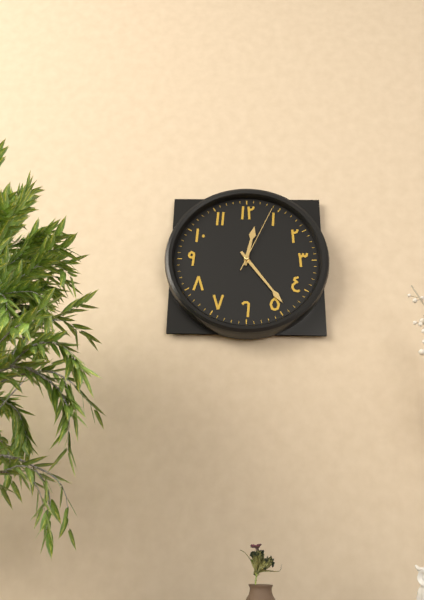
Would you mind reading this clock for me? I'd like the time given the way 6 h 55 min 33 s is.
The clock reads 12 h 24 min 04 s
